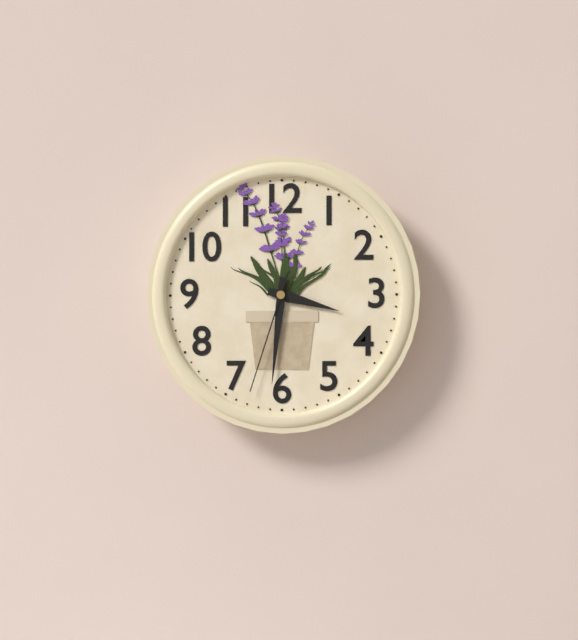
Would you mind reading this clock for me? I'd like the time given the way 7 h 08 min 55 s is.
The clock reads 3 h 31 min 33 s
